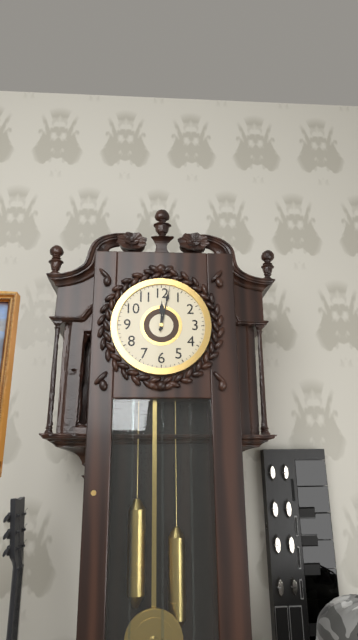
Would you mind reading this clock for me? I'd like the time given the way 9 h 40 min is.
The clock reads 12 h 02 min
